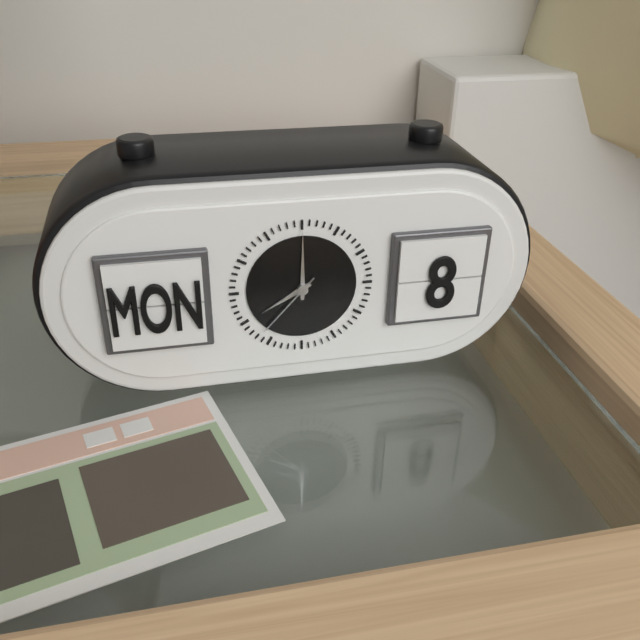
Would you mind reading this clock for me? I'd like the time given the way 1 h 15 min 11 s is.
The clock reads 8 h 00 min 37 s
